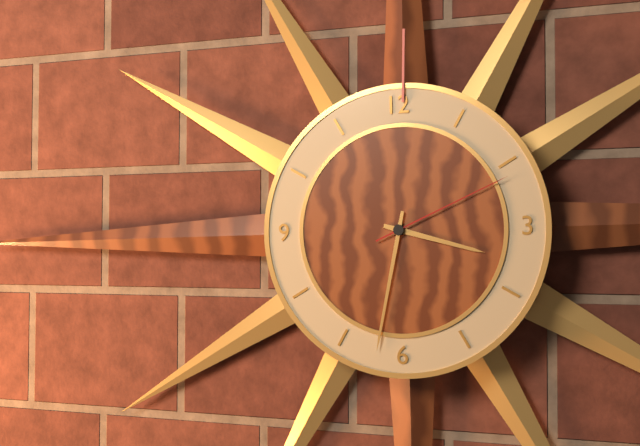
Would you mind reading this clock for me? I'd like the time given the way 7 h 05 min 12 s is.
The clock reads 3 h 32 min 11 s
